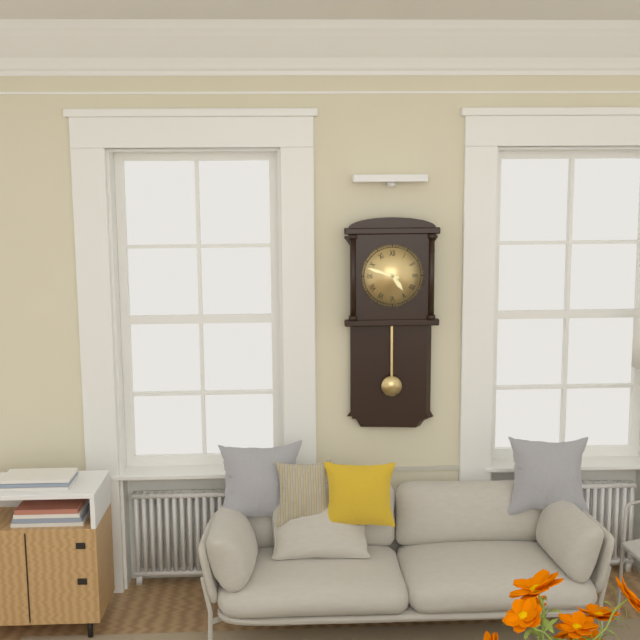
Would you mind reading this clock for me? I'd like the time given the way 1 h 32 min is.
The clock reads 4 h 48 min
